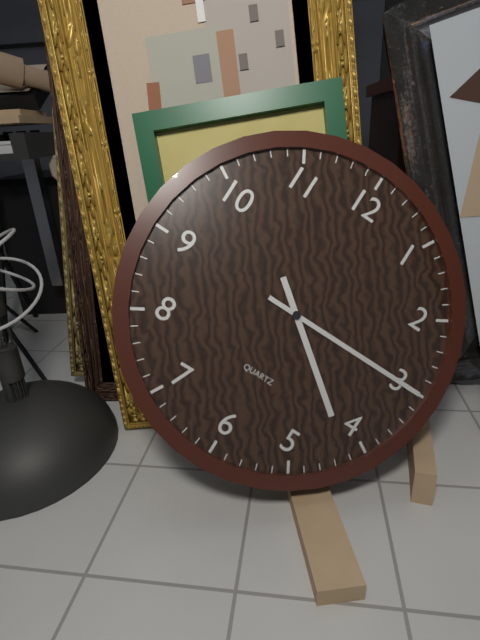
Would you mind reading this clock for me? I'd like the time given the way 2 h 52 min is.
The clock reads 4 h 15 min
